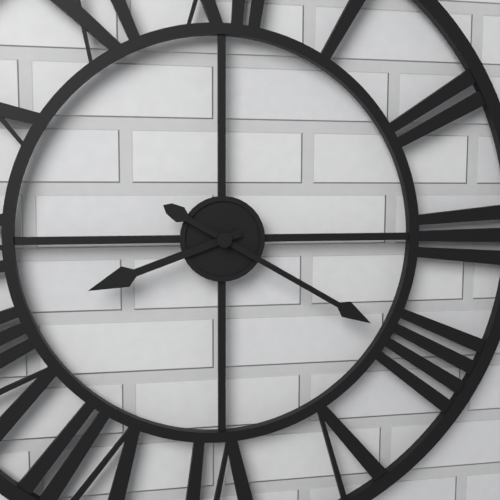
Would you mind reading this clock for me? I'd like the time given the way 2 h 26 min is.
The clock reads 8 h 20 min
